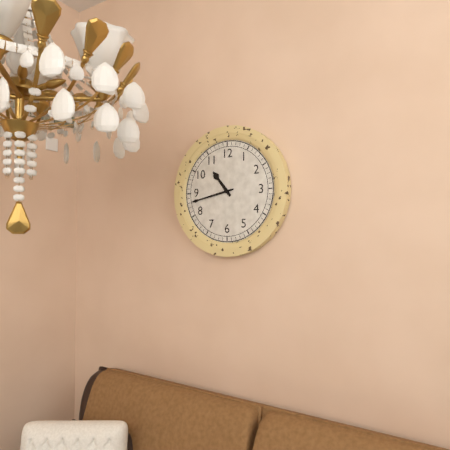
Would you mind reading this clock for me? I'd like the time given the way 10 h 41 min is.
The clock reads 10 h 43 min
